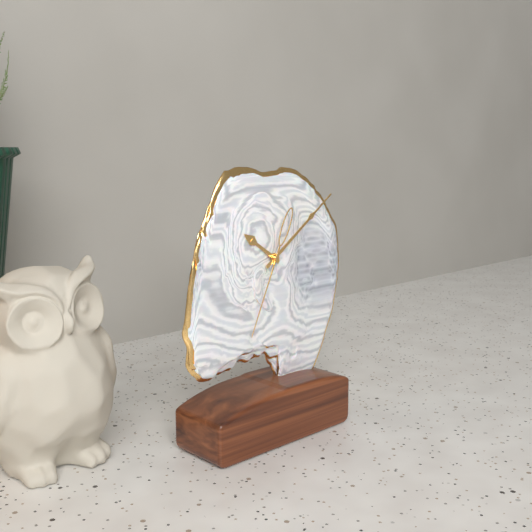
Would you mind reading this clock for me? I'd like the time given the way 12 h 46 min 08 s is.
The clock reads 10 h 09 min 34 s
